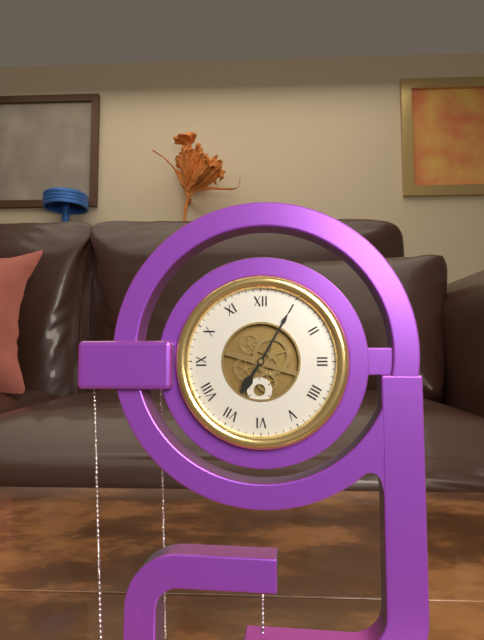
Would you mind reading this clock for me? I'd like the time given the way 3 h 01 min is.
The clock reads 7 h 05 min
